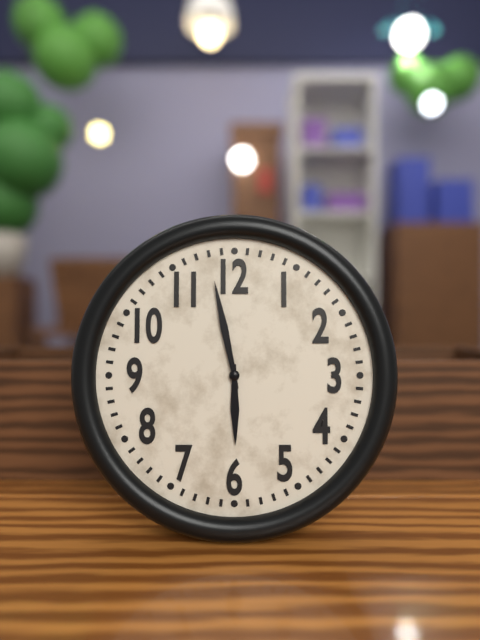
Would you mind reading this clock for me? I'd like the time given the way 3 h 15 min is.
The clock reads 5 h 58 min
